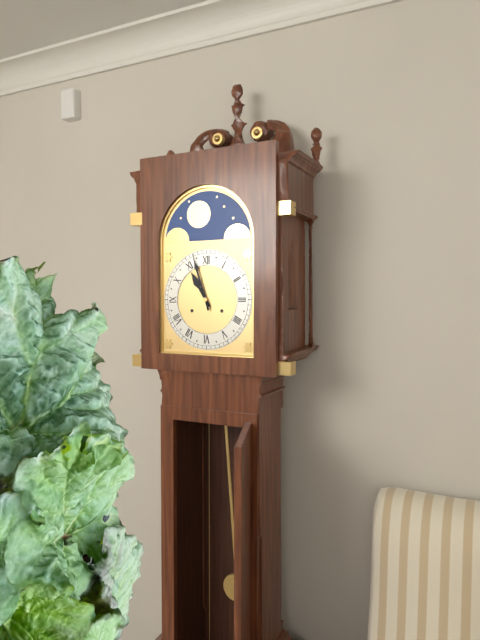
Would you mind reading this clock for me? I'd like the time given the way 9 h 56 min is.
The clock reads 10 h 57 min
